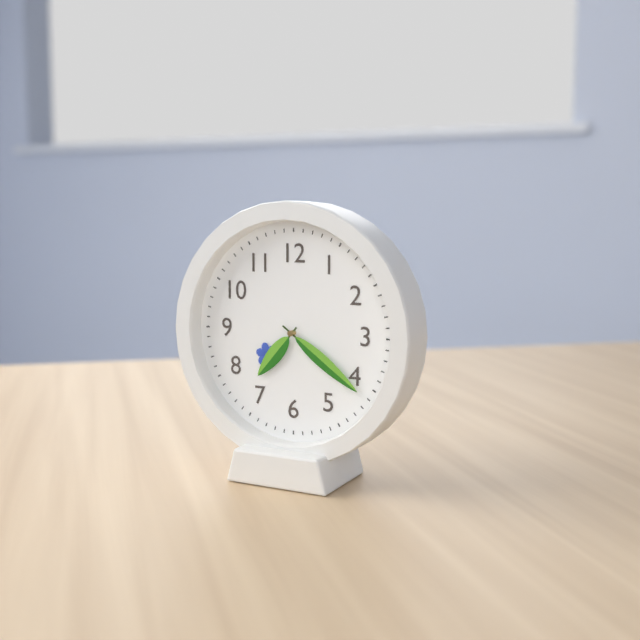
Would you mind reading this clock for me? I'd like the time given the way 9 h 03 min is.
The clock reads 7 h 21 min
